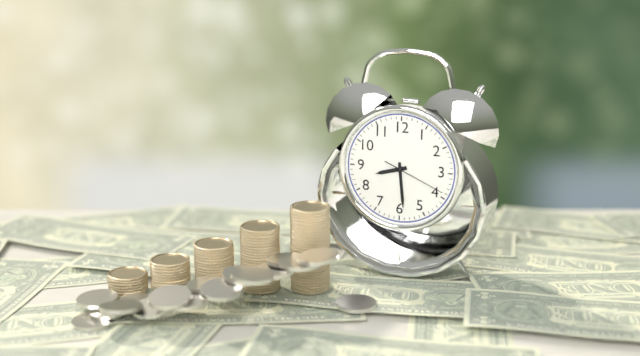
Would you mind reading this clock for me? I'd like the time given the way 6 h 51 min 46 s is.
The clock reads 8 h 29 min 19 s
